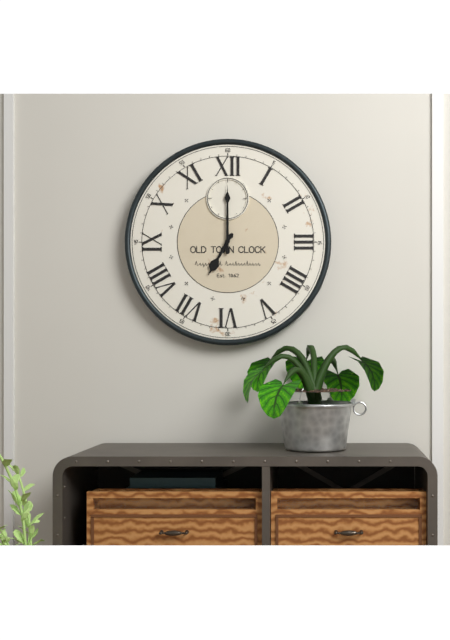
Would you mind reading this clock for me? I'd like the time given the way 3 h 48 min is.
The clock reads 7 h 00 min
